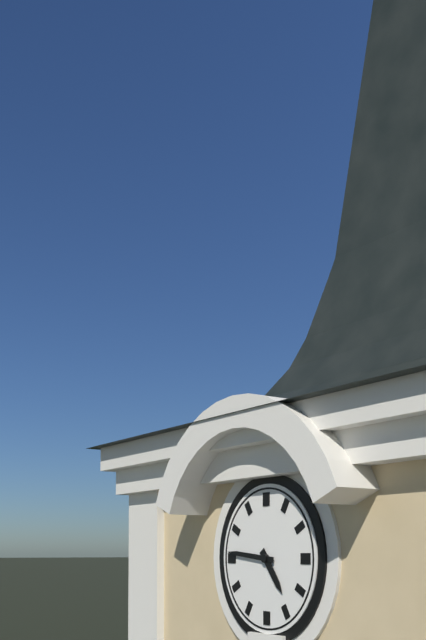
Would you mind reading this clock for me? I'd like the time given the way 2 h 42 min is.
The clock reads 4 h 46 min
